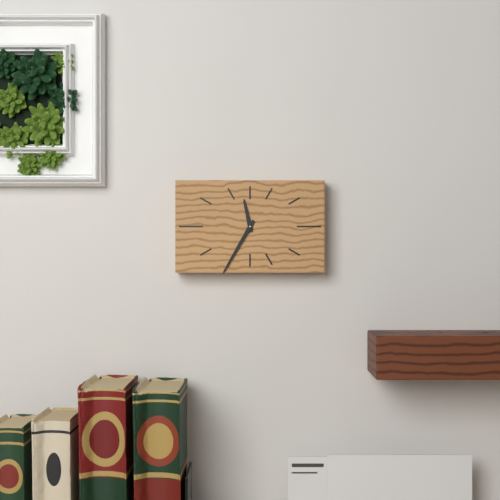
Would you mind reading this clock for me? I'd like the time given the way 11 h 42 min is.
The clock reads 11 h 35 min
